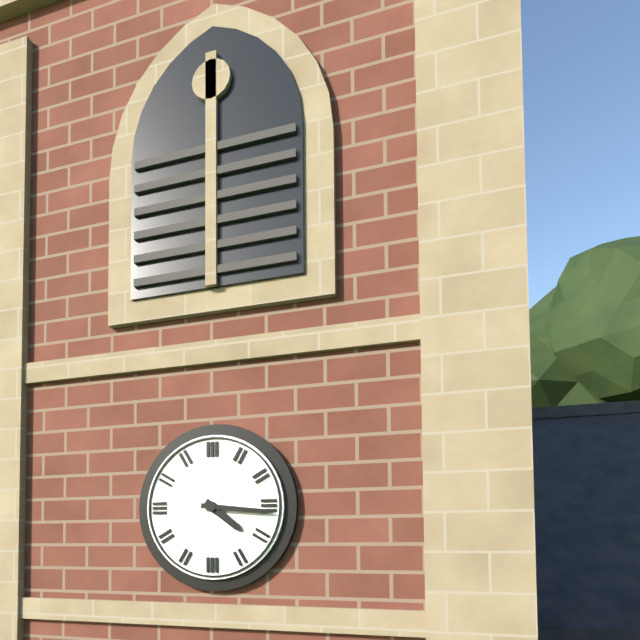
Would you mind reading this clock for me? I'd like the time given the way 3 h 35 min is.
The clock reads 4 h 16 min
